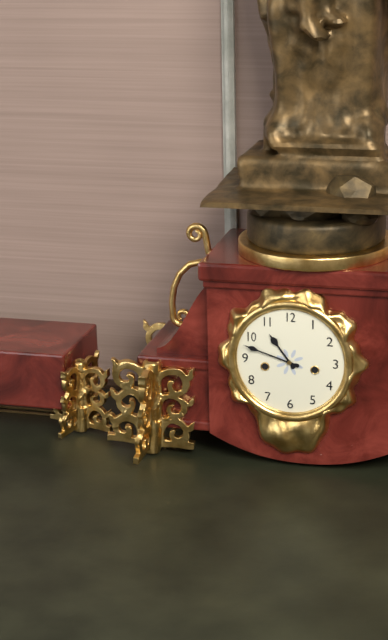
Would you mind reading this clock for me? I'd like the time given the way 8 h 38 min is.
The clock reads 10 h 48 min
